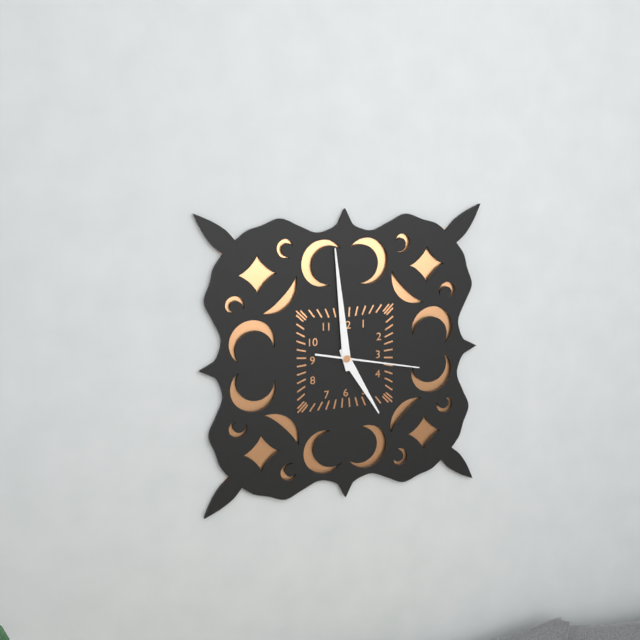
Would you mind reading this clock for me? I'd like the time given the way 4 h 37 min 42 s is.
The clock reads 4 h 59 min 17 s
